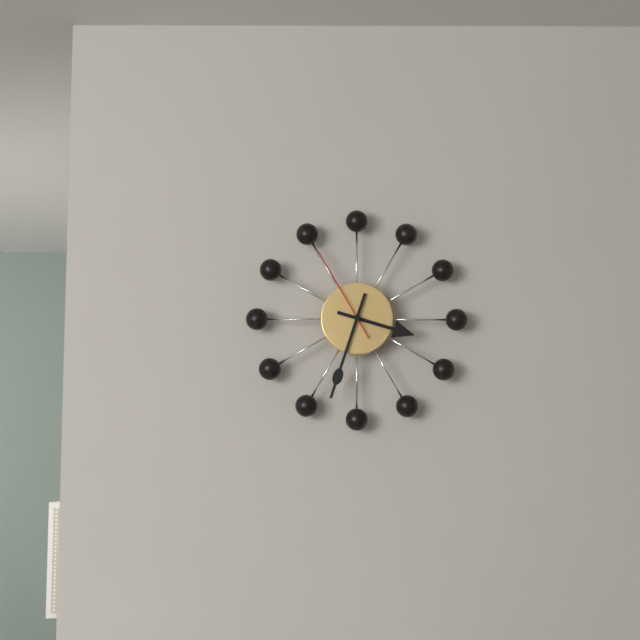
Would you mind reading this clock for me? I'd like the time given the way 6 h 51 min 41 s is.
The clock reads 3 h 33 min 55 s
